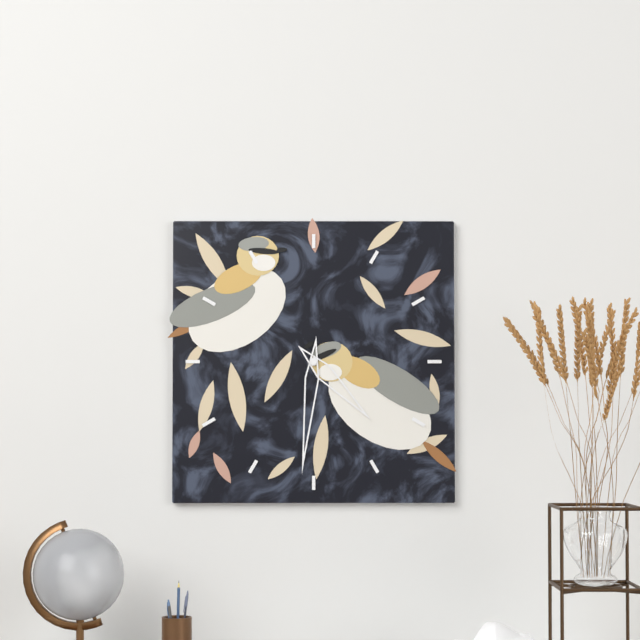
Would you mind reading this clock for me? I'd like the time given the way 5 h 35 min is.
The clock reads 4 h 31 min
